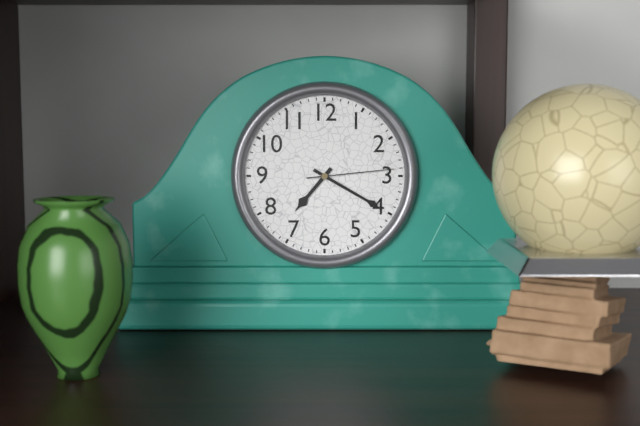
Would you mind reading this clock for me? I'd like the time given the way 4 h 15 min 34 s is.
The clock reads 7 h 20 min 14 s
